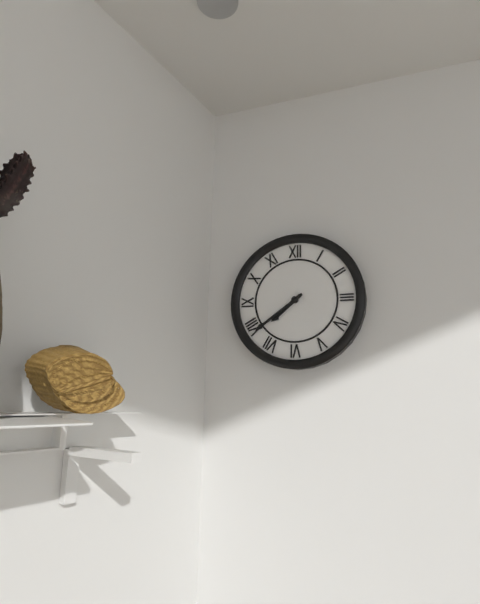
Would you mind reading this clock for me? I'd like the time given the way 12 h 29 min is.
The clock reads 7 h 39 min
